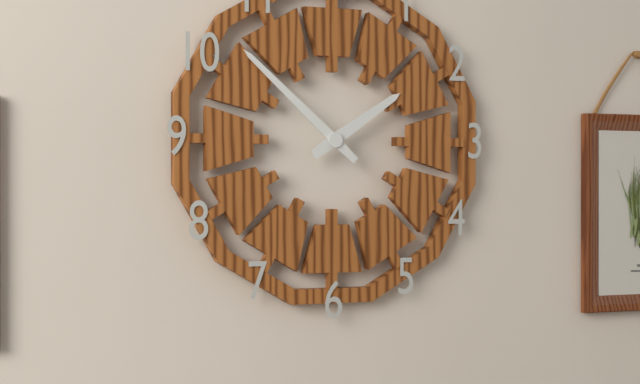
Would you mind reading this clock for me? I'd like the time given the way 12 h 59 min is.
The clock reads 1 h 52 min
